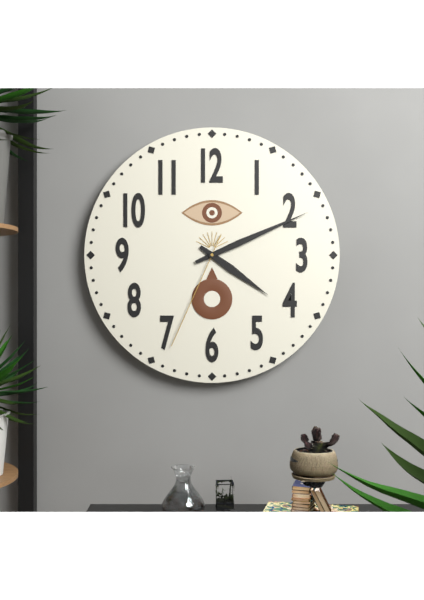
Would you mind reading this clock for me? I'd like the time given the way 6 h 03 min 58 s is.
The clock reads 4 h 11 min 34 s
